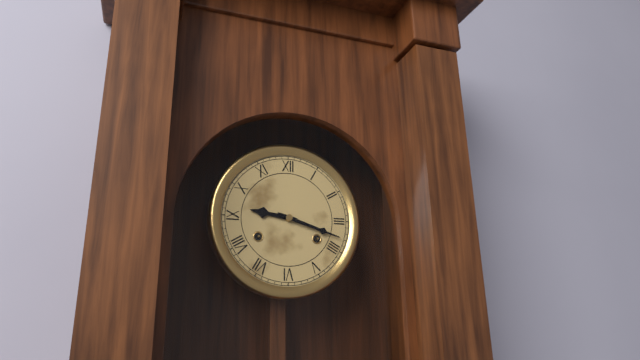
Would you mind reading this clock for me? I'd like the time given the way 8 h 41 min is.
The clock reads 9 h 18 min
